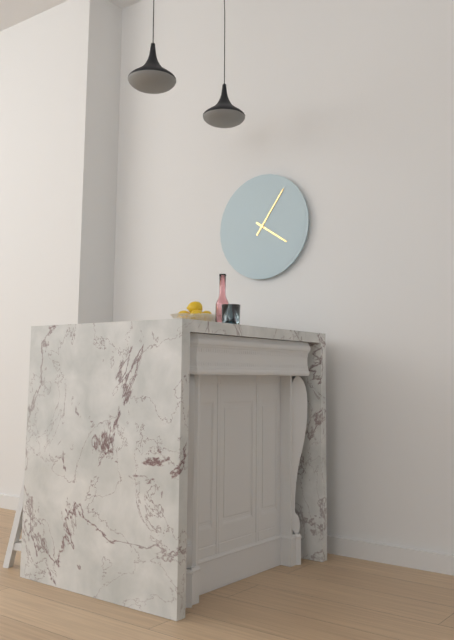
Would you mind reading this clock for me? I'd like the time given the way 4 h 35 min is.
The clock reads 4 h 06 min
